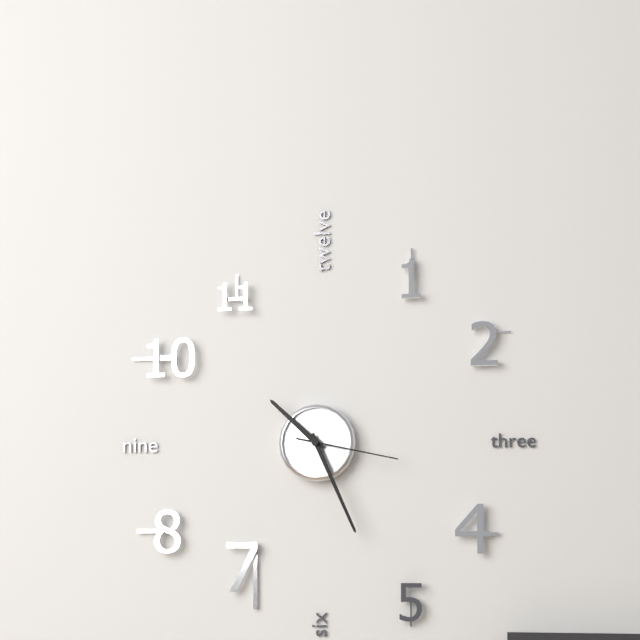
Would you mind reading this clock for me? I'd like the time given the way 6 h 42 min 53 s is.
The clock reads 10 h 26 min 17 s
